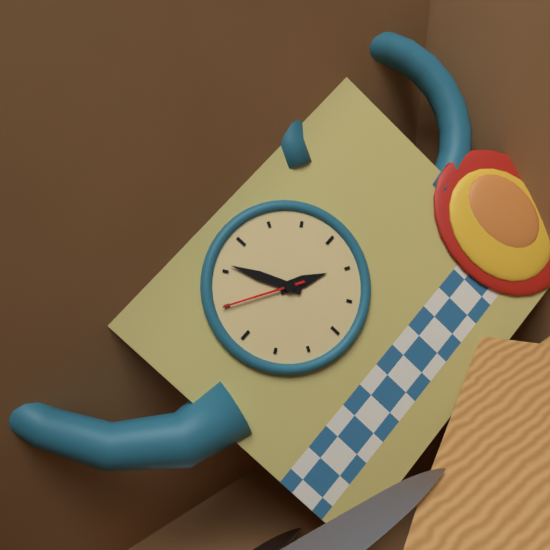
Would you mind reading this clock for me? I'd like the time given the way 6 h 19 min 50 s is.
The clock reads 3 h 56 min 50 s
